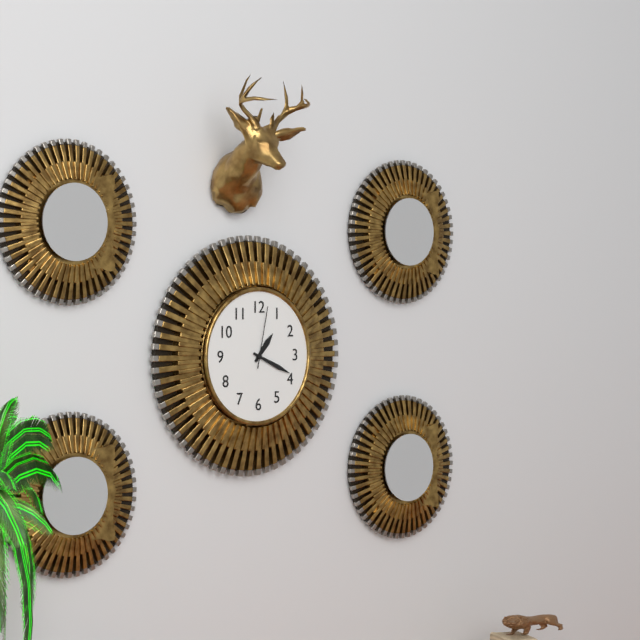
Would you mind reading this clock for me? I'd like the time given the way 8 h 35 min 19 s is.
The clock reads 1 h 19 min 02 s
